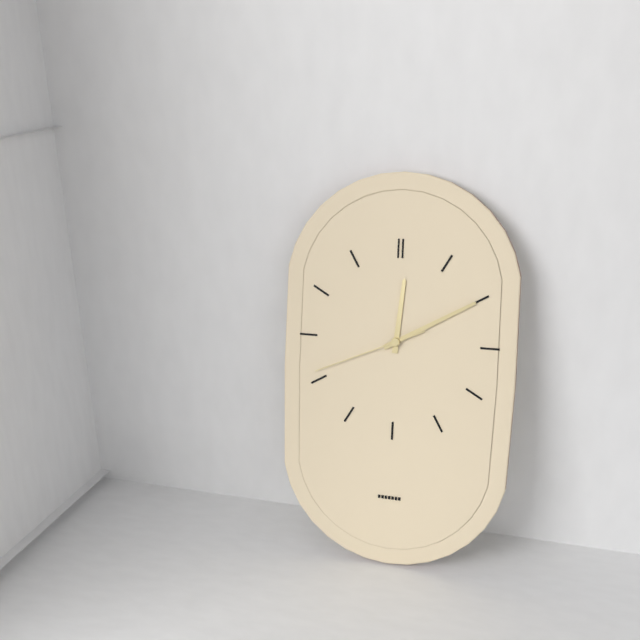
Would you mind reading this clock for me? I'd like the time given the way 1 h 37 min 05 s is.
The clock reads 12 h 10 min 41 s
